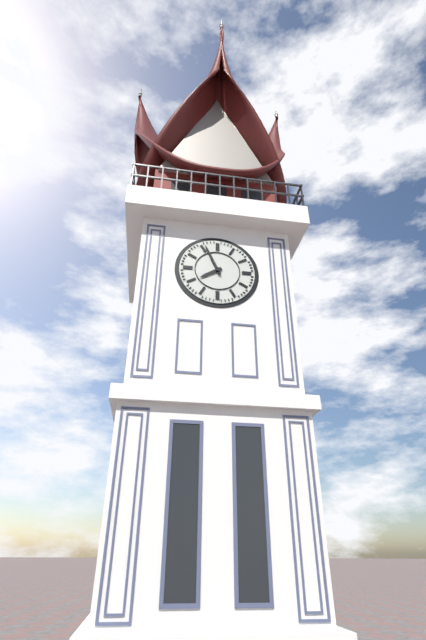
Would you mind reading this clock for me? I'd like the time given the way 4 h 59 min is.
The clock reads 7 h 56 min
